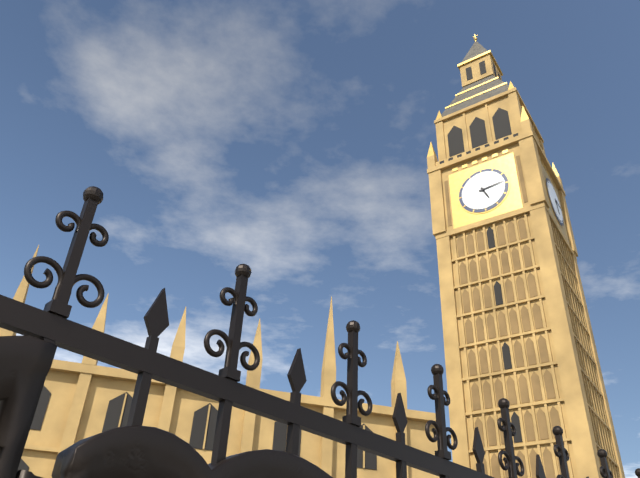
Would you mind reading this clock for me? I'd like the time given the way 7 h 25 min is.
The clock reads 5 h 14 min
